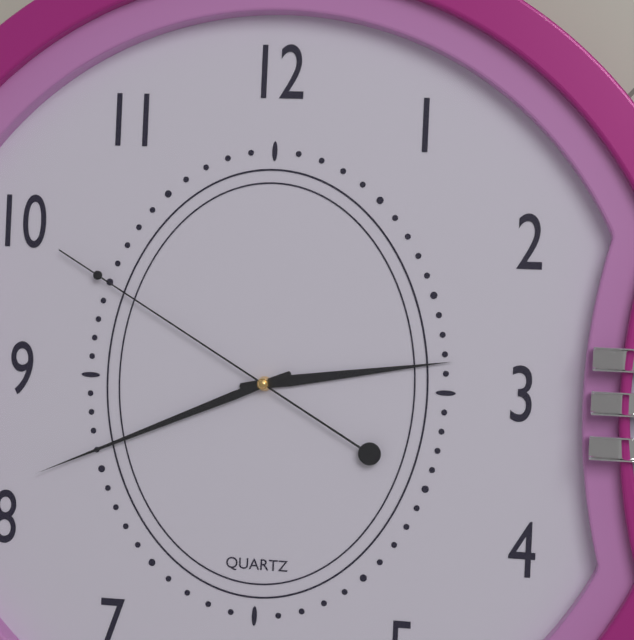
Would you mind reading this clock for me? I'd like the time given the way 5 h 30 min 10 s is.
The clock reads 2 h 41 min 50 s
